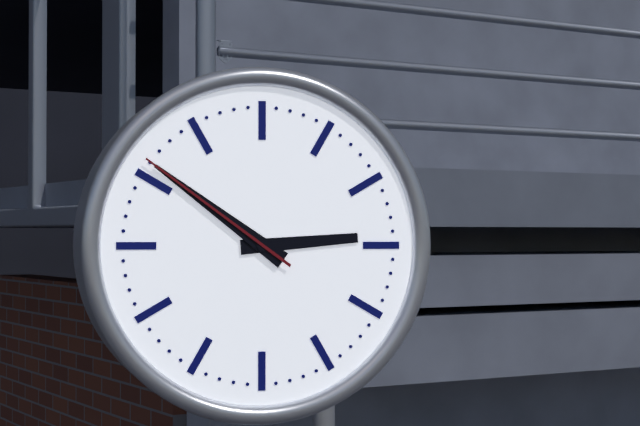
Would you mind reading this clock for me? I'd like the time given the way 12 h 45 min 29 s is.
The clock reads 2 h 51 min 51 s
